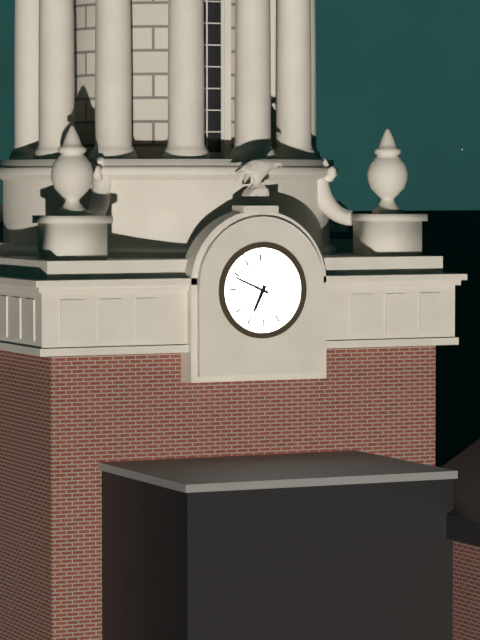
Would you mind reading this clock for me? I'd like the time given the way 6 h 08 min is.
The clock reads 6 h 49 min
